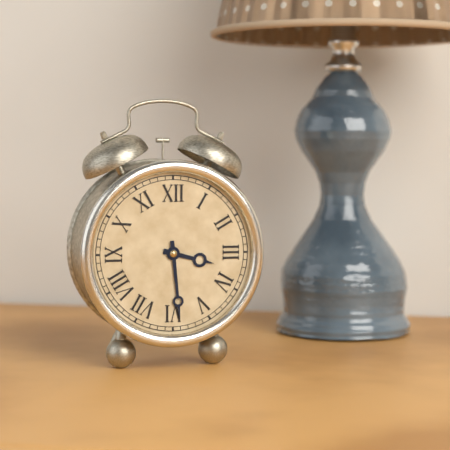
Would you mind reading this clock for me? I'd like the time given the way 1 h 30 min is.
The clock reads 3 h 29 min
